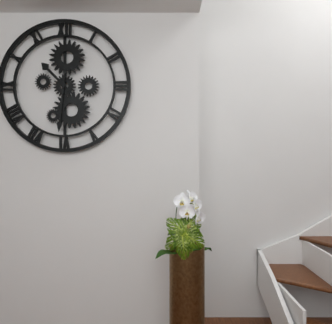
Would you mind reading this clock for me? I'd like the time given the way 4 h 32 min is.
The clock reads 10 h 31 min
